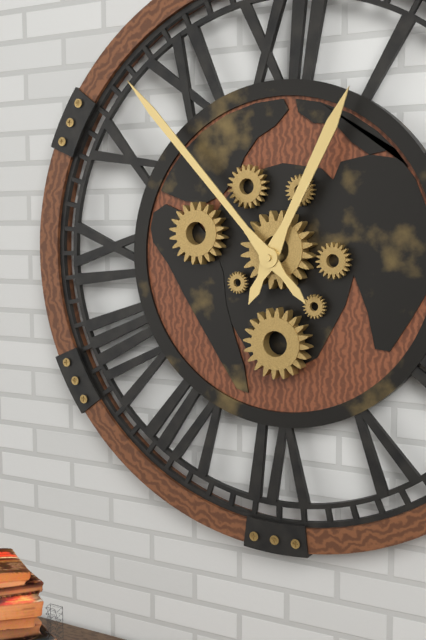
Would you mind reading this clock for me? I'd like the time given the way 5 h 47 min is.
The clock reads 12 h 53 min
